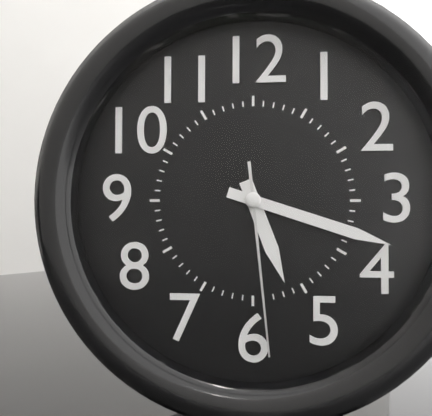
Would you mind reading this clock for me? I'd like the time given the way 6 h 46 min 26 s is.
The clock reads 5 h 18 min 29 s
